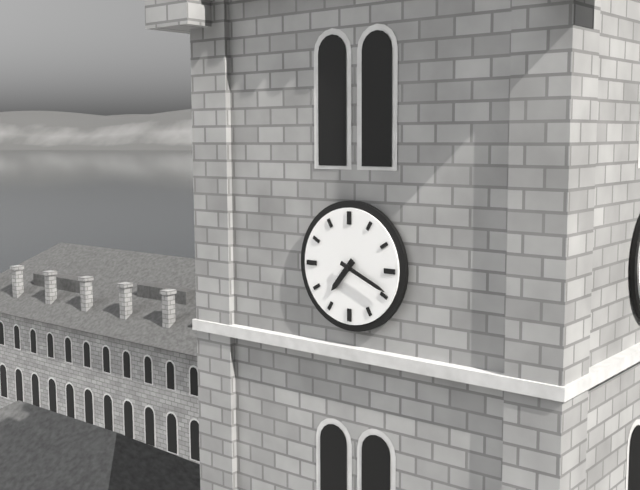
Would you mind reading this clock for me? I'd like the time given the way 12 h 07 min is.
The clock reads 7 h 19 min
